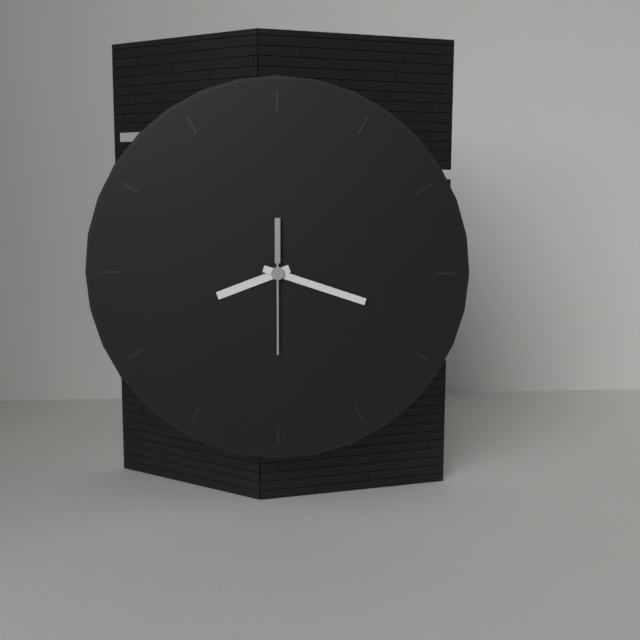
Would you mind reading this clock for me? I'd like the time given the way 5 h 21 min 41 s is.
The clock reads 8 h 18 min 30 s
